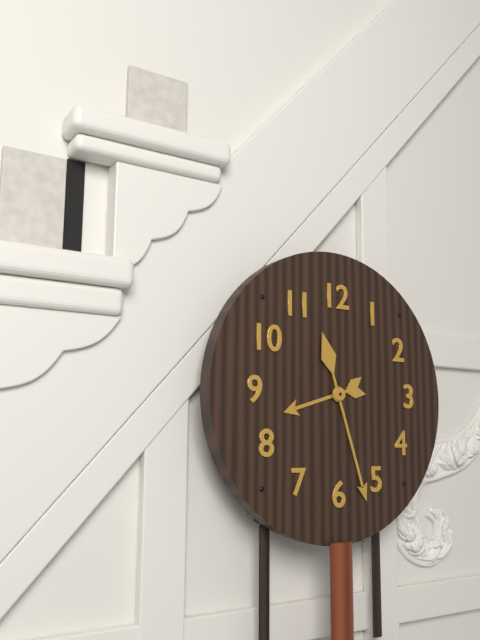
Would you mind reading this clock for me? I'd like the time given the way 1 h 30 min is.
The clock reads 8 h 27 min
